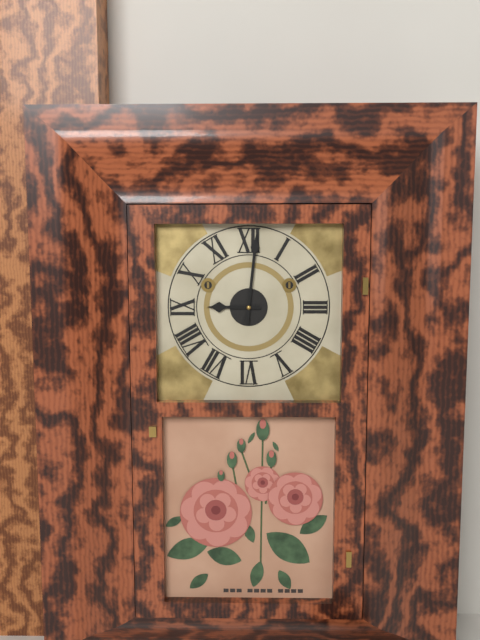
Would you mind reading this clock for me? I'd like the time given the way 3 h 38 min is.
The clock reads 9 h 01 min
